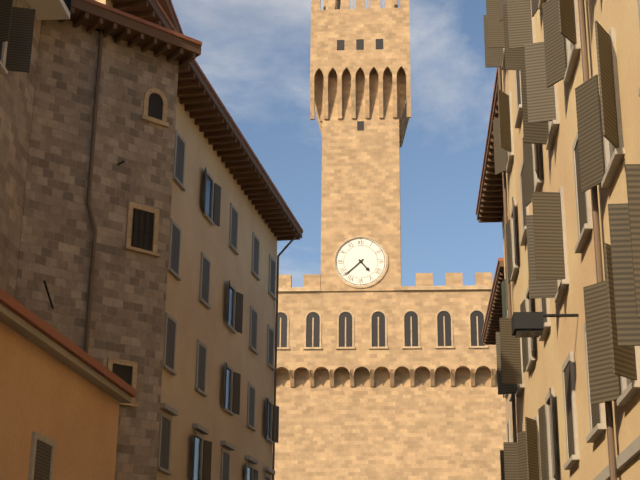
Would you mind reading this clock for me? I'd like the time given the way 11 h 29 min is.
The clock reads 4 h 38 min
